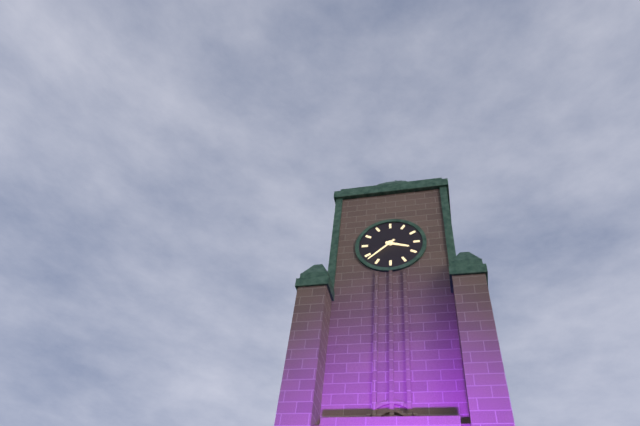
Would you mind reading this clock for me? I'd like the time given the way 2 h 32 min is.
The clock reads 3 h 38 min
